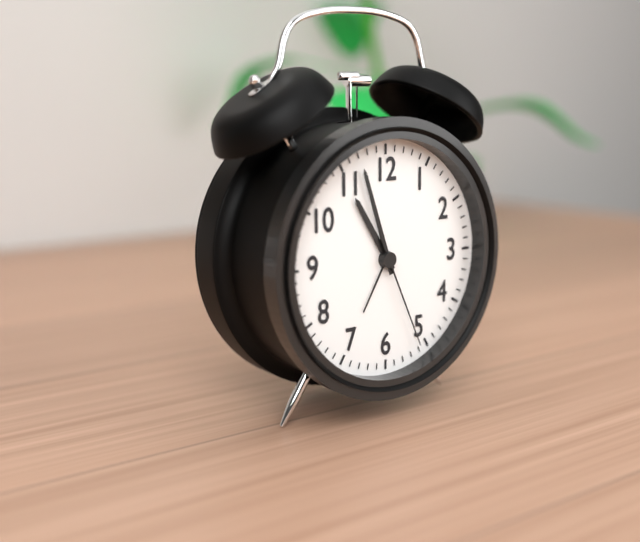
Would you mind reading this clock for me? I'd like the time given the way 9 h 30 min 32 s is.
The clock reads 10 h 57 min 26 s
